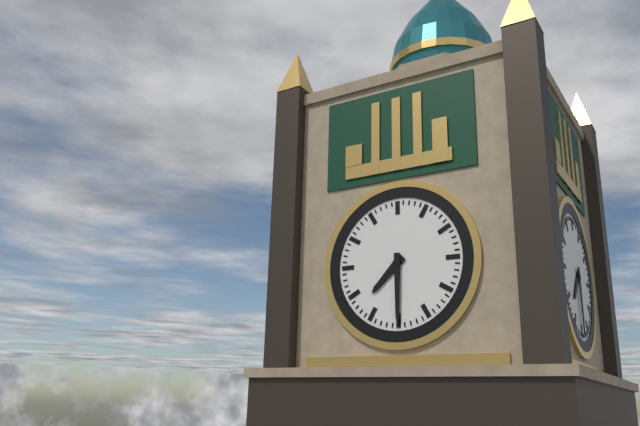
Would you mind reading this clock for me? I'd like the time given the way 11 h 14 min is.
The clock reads 7 h 30 min
